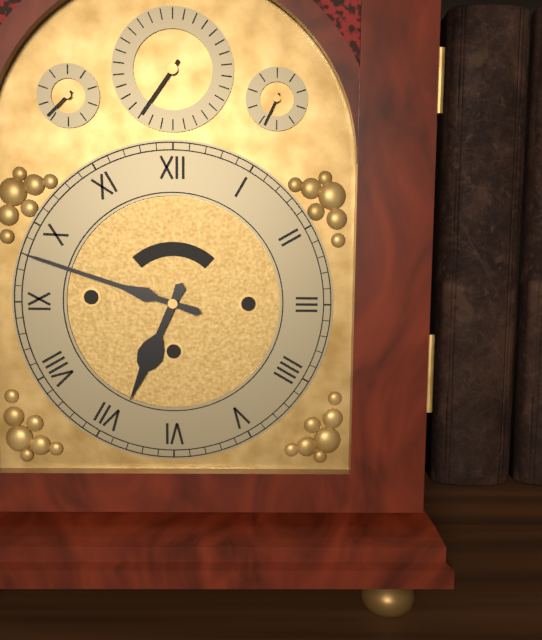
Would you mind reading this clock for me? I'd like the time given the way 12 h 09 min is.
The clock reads 6 h 48 min
